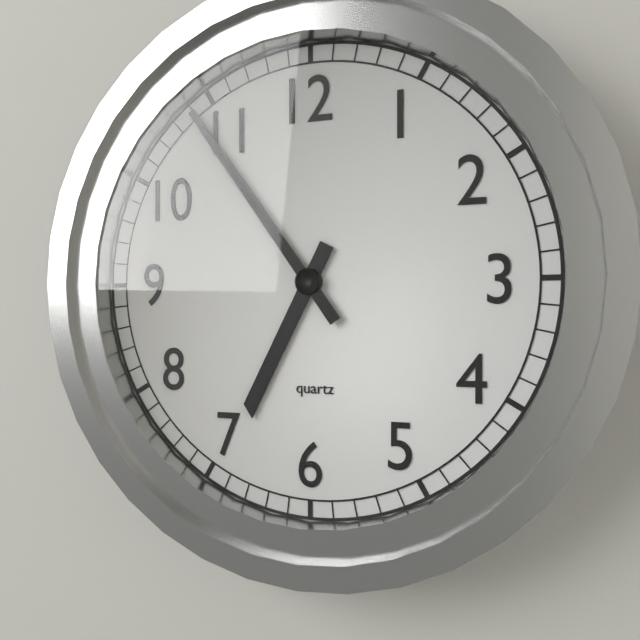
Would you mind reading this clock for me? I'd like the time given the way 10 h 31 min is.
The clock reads 6 h 54 min
